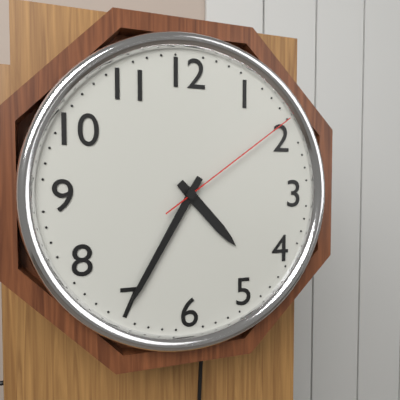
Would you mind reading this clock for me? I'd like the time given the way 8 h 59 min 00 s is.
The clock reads 4 h 35 min 09 s
